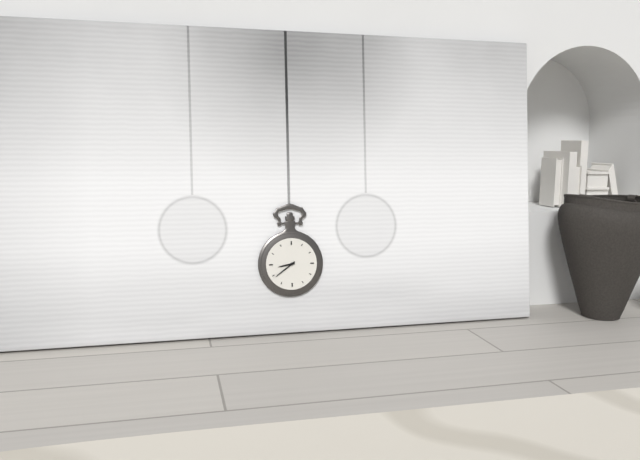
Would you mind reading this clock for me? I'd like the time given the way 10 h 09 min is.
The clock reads 8 h 39 min
